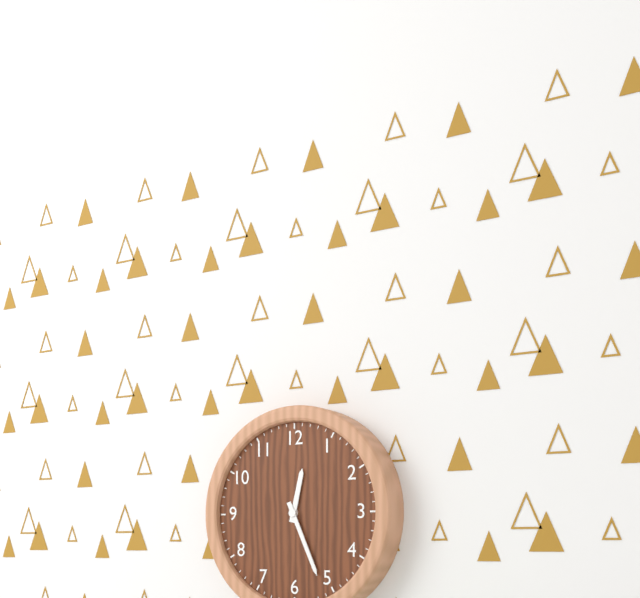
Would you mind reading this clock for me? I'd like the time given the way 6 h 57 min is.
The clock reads 12 h 26 min
